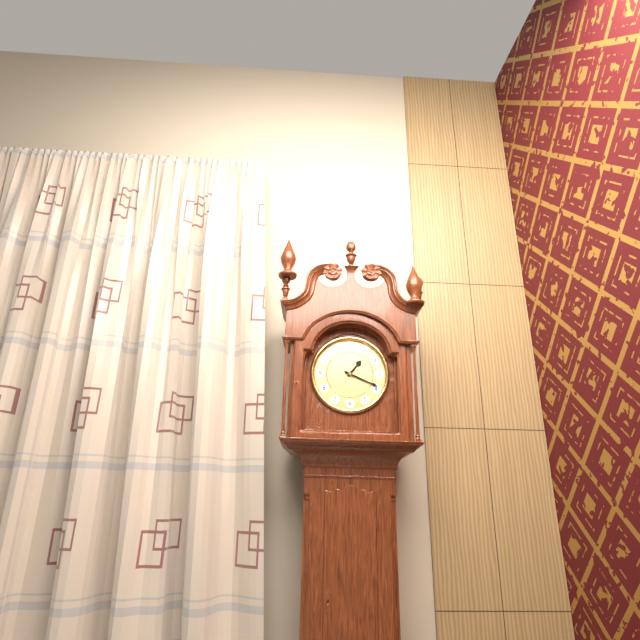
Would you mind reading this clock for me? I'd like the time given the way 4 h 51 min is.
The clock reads 1 h 19 min
